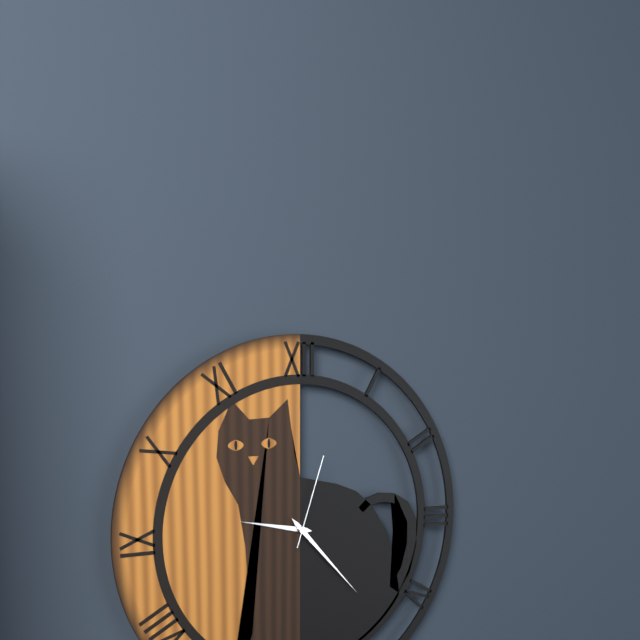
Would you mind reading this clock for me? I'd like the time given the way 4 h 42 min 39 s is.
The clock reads 9 h 23 min 03 s
